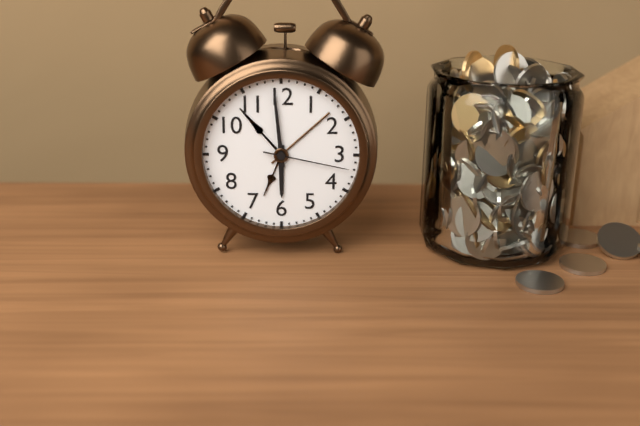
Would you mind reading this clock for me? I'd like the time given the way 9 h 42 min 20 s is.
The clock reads 5 h 59 min 17 s
